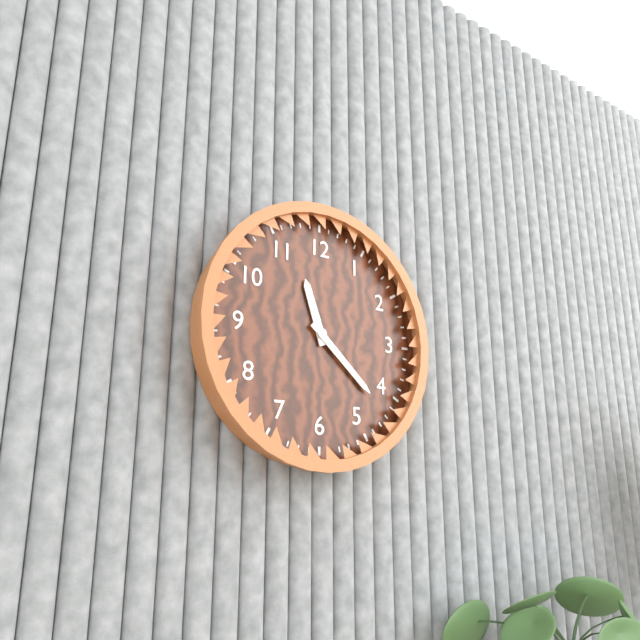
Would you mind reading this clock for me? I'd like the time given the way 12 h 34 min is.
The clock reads 11 h 22 min
